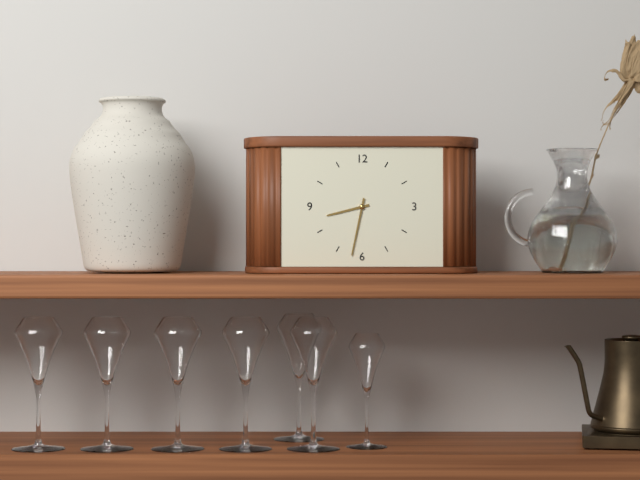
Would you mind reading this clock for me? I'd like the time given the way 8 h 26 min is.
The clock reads 8 h 32 min
